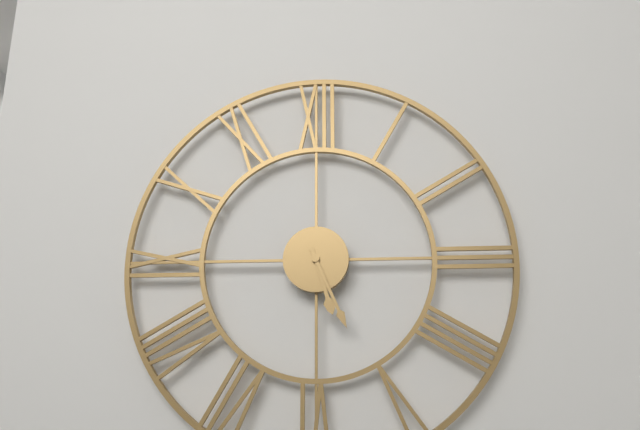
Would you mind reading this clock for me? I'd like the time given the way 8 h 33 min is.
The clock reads 5 h 26 min
